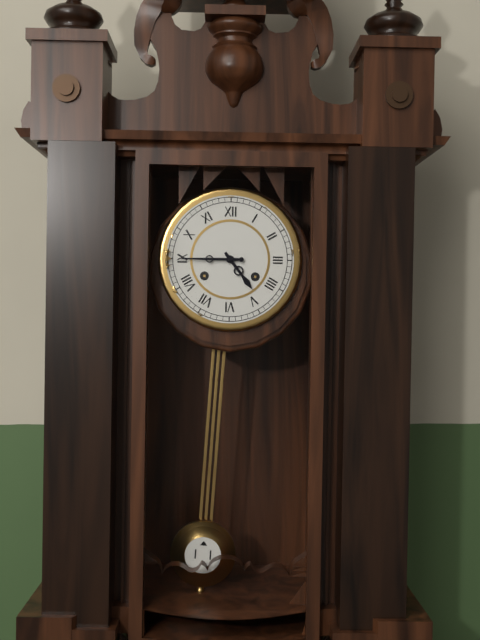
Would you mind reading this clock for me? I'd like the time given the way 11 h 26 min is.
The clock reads 4 h 45 min
